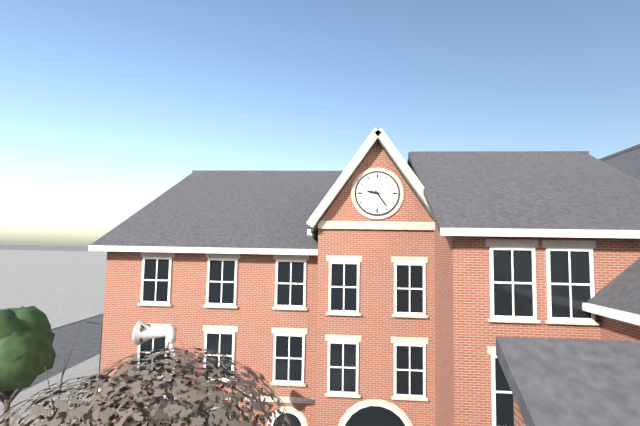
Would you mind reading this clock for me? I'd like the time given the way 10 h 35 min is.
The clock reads 9 h 24 min
